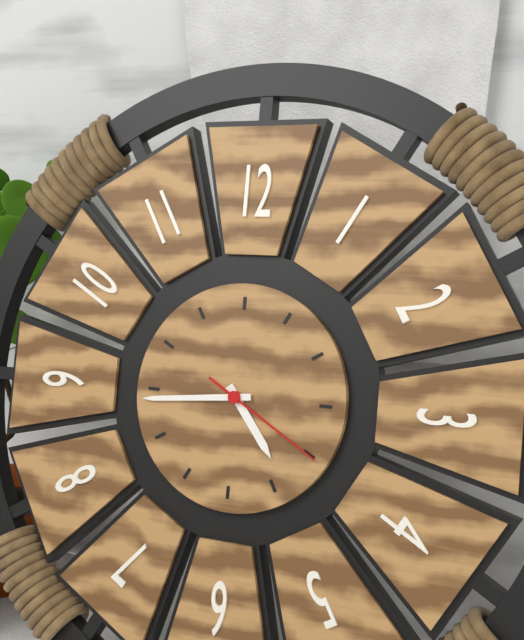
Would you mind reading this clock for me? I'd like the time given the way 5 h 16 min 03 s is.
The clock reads 4 h 44 min 20 s
